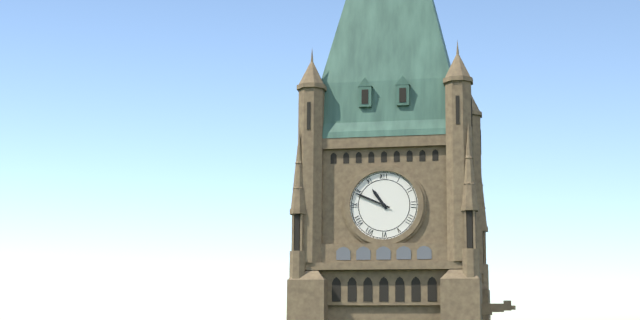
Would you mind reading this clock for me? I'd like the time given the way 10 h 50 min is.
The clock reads 10 h 49 min
